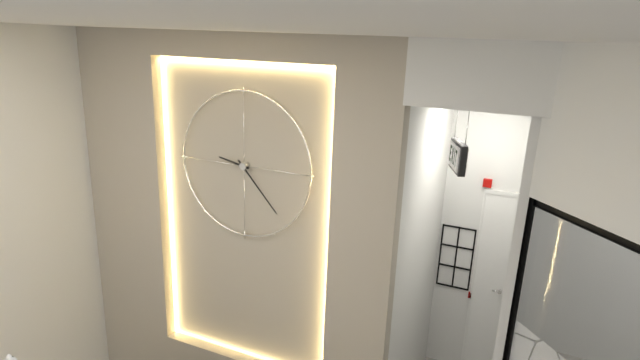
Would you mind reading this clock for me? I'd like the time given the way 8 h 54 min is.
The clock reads 9 h 23 min
